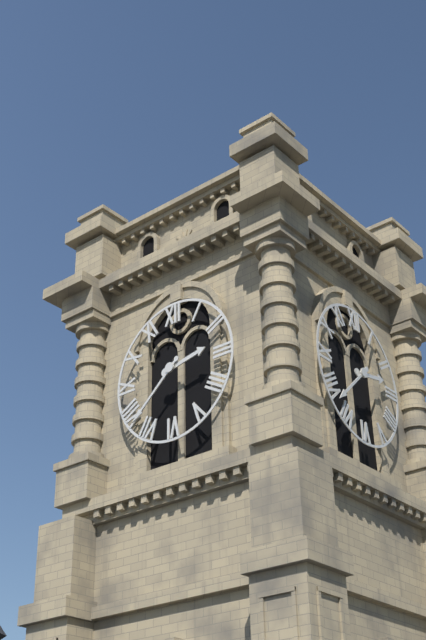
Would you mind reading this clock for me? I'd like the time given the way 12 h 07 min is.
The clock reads 2 h 38 min
